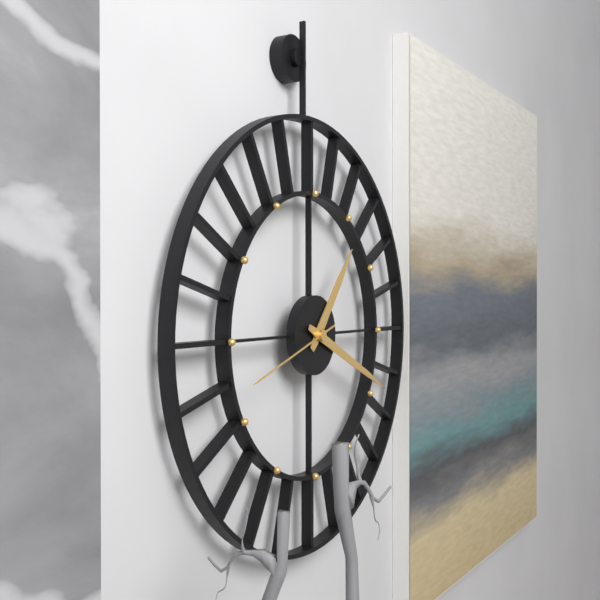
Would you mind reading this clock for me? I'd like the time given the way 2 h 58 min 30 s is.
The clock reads 1 h 19 min 42 s
